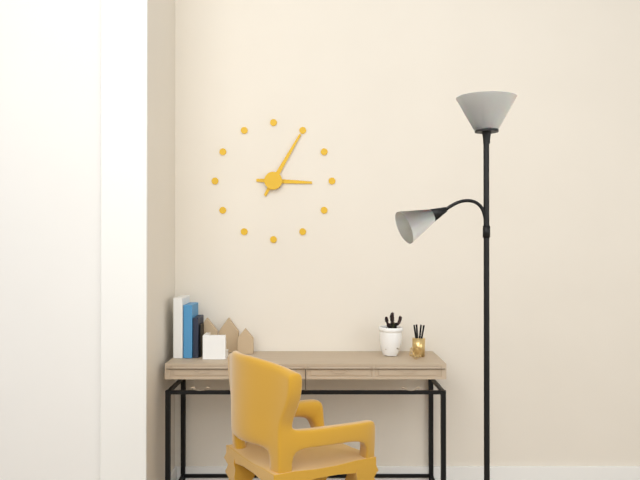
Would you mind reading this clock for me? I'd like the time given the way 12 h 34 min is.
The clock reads 3 h 05 min
